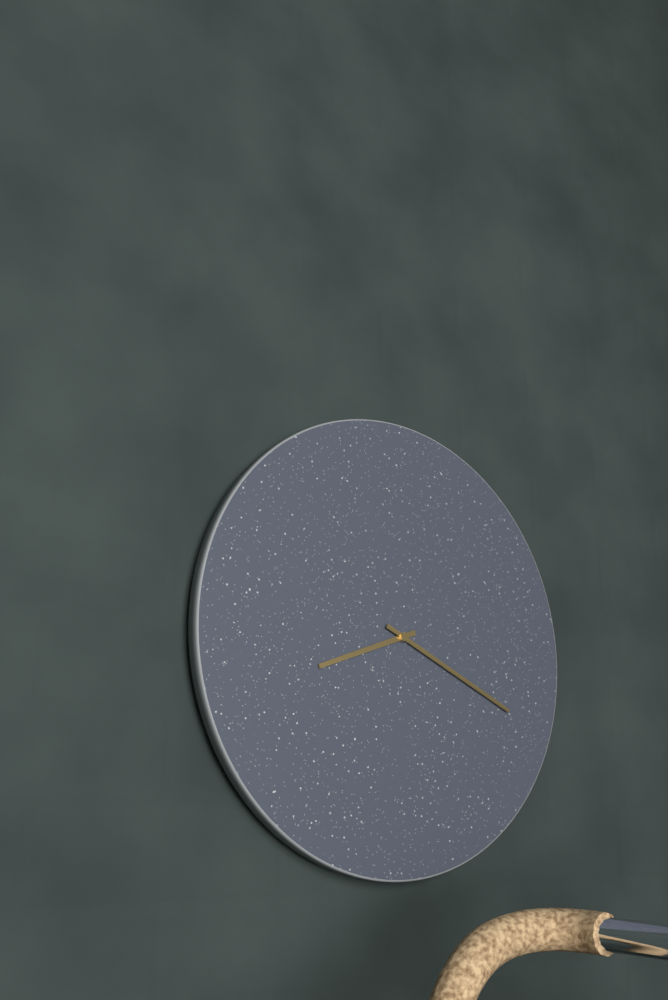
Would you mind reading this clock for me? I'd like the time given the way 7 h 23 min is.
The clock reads 8 h 19 min
